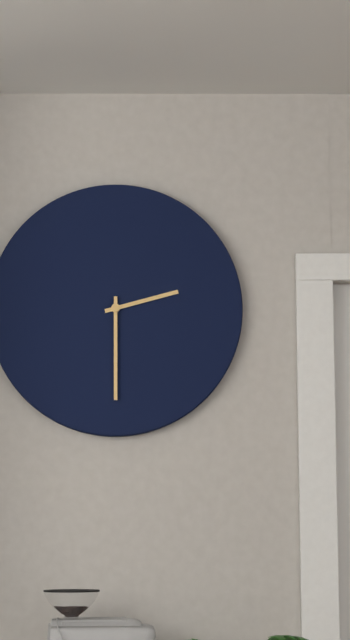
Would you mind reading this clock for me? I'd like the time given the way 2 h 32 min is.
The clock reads 2 h 30 min
